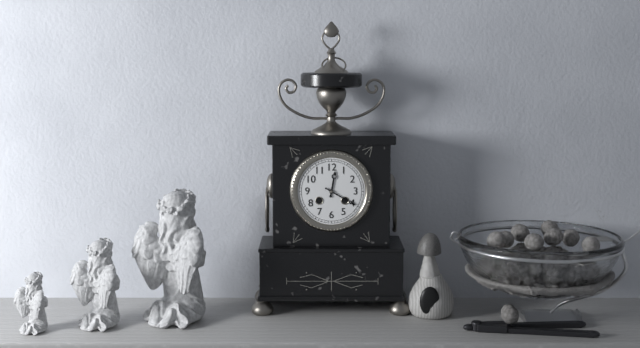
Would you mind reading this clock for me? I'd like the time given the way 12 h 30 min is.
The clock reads 12 h 20 min
